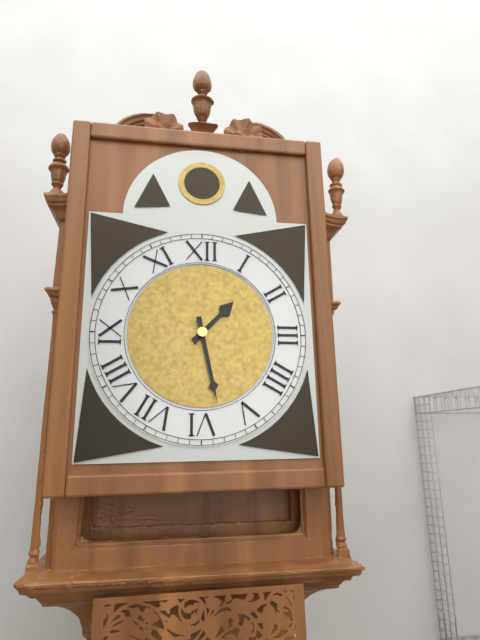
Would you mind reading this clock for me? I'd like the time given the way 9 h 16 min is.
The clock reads 1 h 28 min
